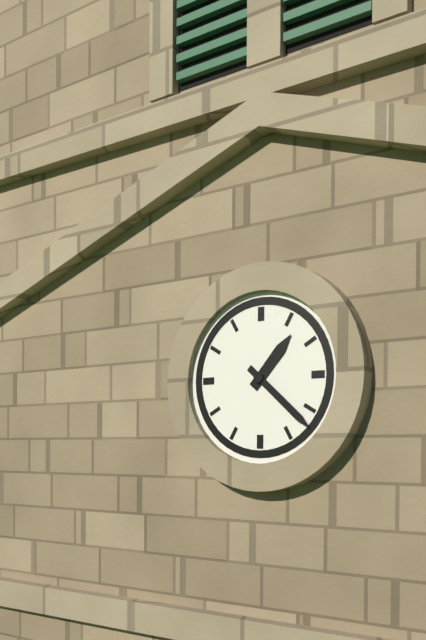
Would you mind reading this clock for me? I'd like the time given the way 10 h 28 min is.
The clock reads 1 h 22 min
